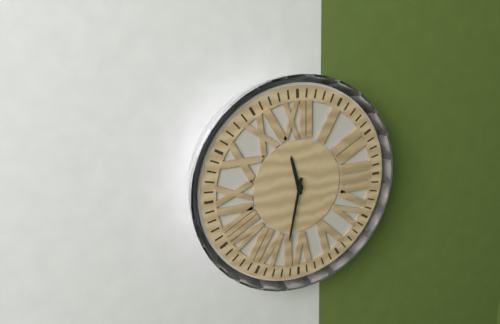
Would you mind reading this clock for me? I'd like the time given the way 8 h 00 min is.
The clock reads 11 h 32 min
